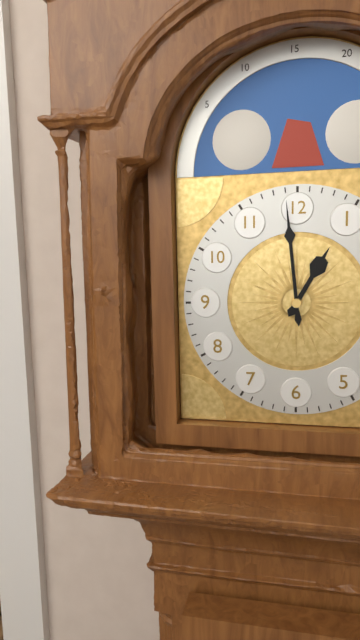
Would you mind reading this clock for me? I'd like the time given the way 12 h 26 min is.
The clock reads 12 h 59 min
